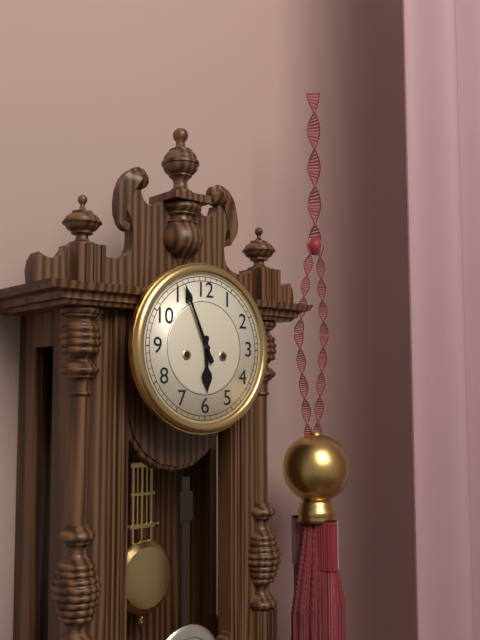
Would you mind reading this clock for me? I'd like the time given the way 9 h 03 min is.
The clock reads 5 h 56 min
